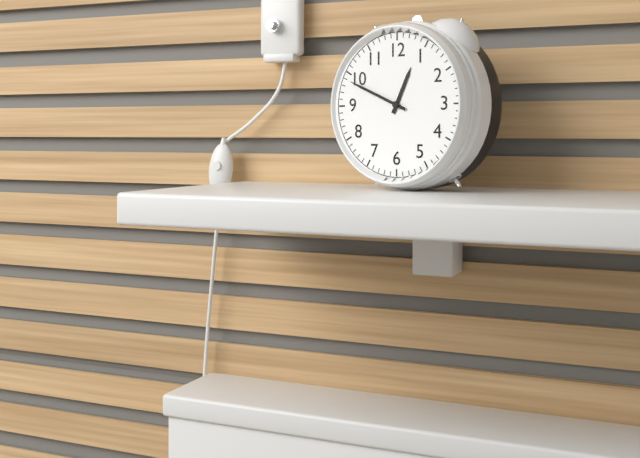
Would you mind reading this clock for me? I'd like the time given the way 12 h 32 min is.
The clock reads 12 h 49 min
